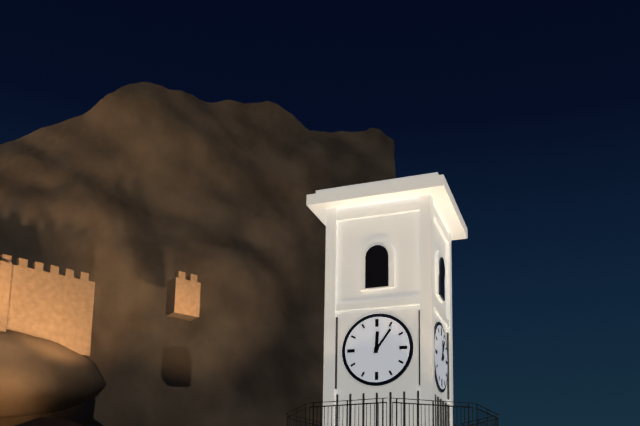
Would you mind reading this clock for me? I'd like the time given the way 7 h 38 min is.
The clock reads 12 h 06 min
